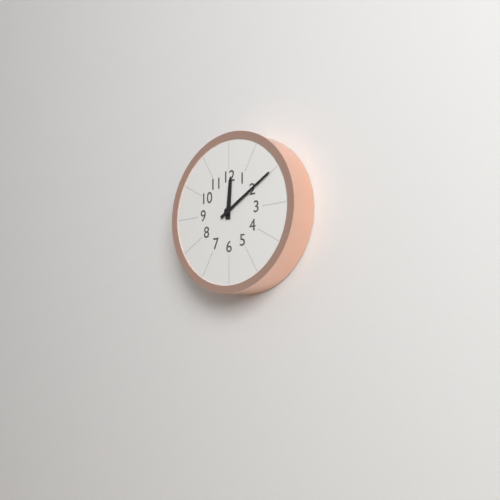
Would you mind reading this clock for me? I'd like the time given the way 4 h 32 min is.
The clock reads 12 h 10 min
